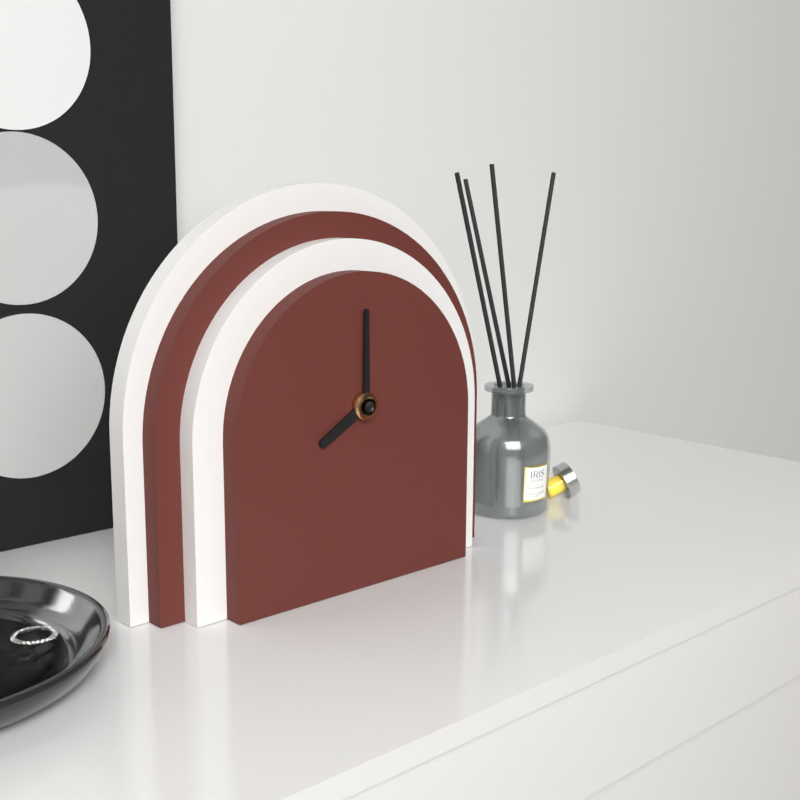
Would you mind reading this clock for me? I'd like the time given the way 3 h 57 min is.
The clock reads 8 h 00 min
